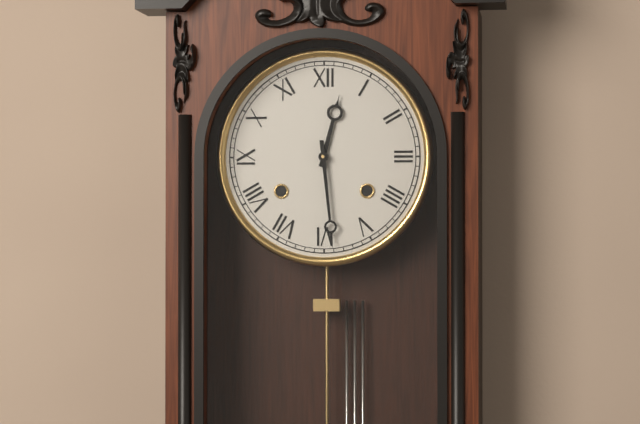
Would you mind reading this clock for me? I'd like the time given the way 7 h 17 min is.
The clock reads 12 h 29 min
